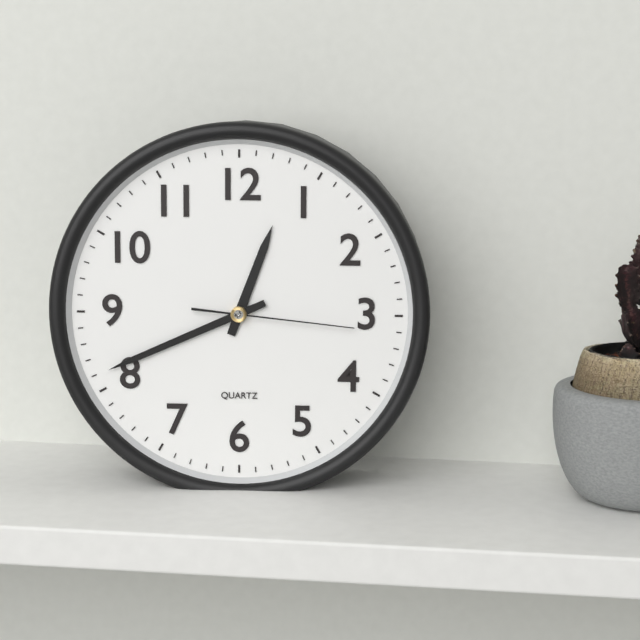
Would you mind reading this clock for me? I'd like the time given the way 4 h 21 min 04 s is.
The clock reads 12 h 41 min 16 s
